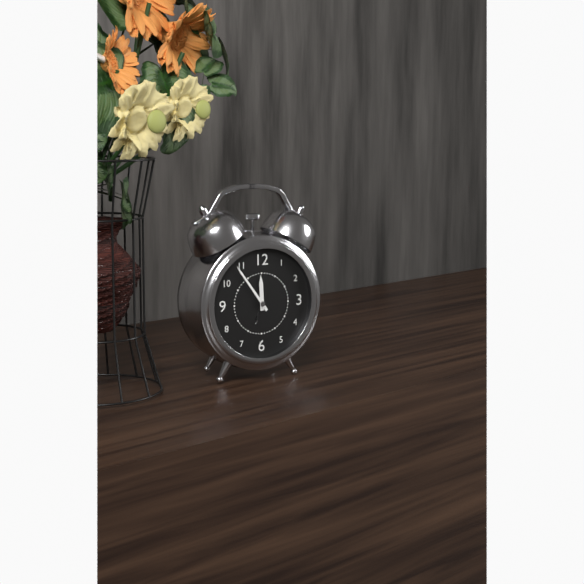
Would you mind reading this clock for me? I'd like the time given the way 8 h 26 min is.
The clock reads 11 h 54 min
